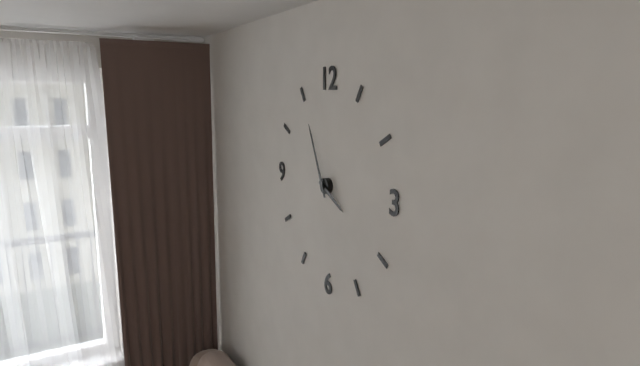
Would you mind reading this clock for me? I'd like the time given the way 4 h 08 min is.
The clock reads 3 h 56 min
